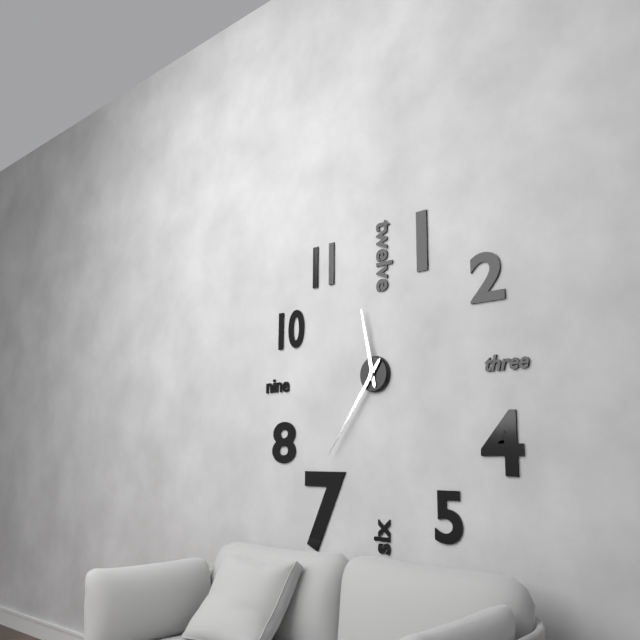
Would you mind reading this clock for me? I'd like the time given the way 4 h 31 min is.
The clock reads 11 h 36 min
